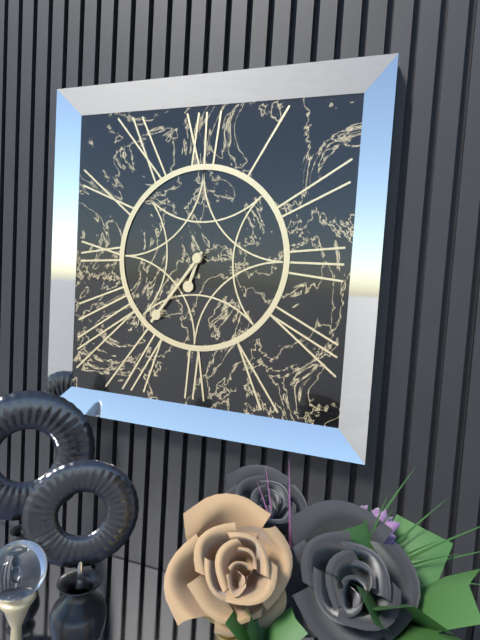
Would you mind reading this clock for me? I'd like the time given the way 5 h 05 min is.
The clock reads 6 h 36 min
